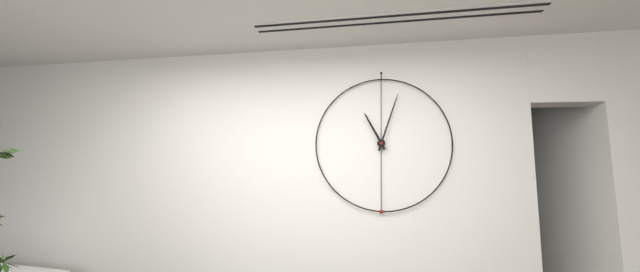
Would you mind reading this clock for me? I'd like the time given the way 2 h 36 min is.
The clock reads 11 h 03 min
